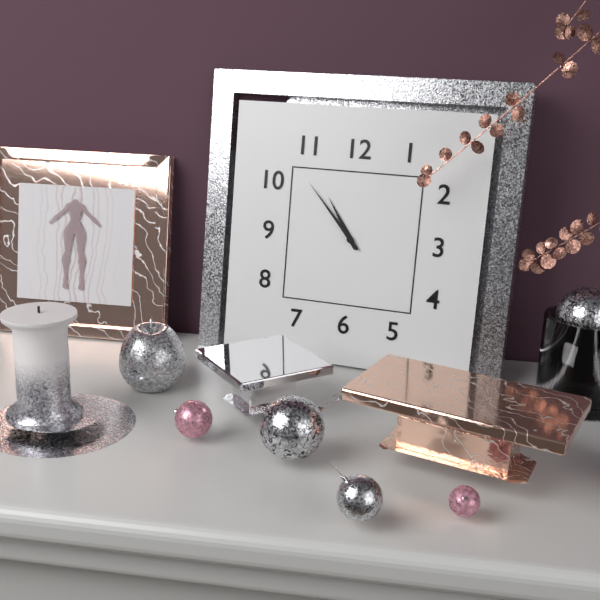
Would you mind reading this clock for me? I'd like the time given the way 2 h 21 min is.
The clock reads 10 h 53 min
